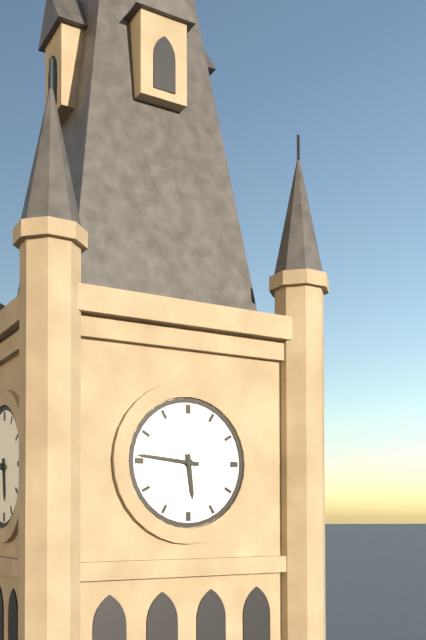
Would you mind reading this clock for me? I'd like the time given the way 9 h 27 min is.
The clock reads 5 h 46 min
